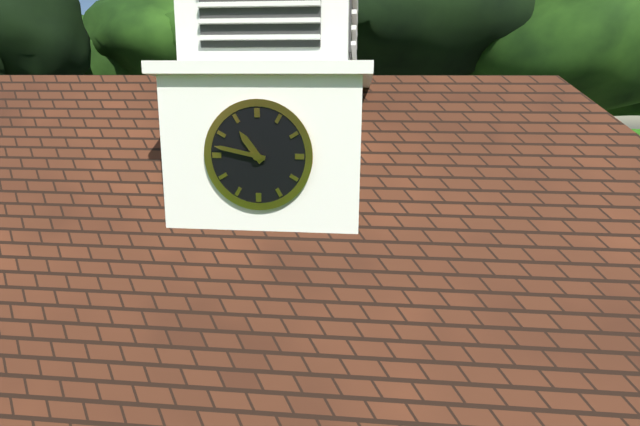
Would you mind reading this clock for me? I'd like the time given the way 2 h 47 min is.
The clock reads 10 h 47 min
